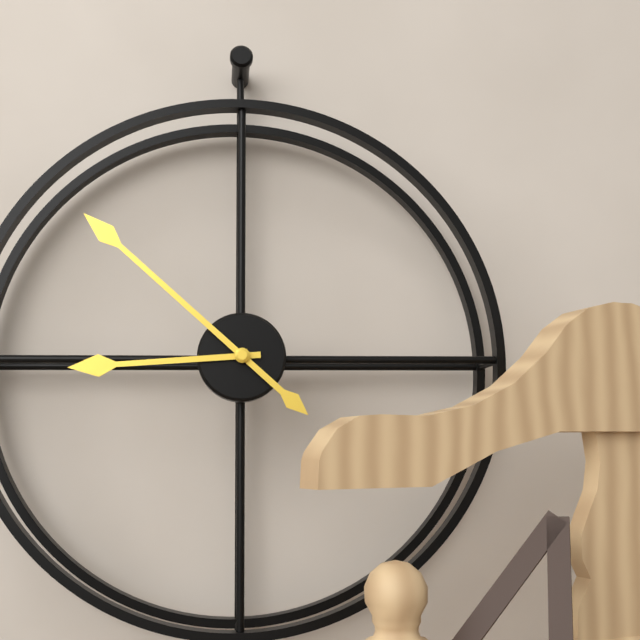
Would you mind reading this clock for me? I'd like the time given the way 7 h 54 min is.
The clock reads 8 h 52 min
